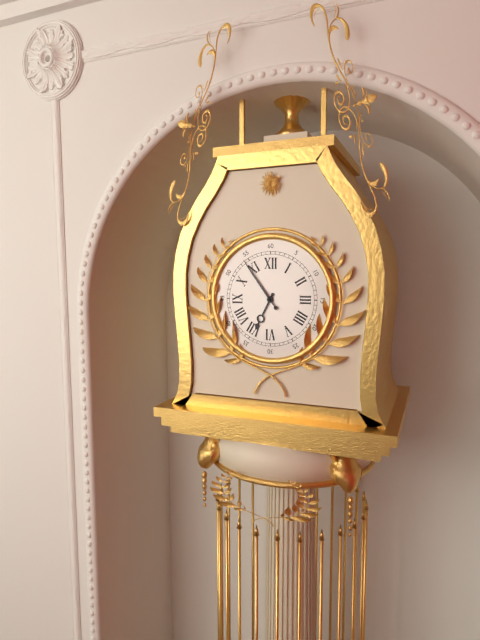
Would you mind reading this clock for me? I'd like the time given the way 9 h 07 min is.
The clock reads 6 h 54 min
